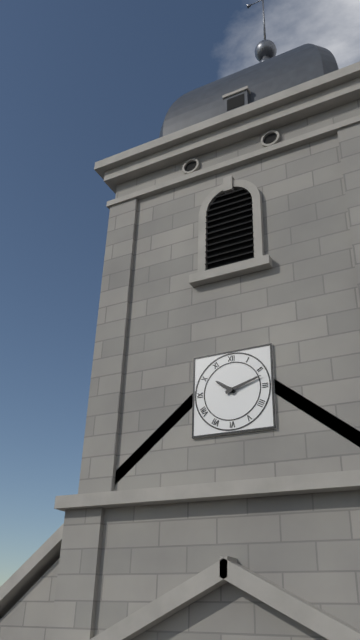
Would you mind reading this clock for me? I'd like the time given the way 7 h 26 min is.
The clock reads 10 h 12 min
